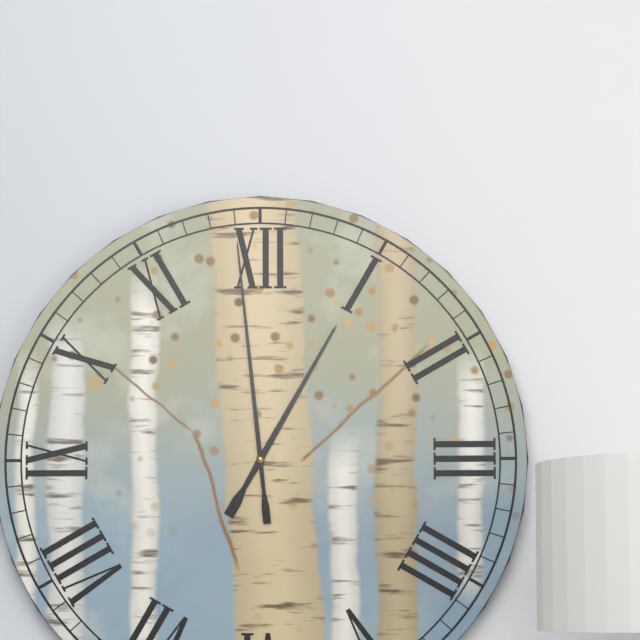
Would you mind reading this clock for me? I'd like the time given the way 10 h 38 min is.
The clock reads 12 h 59 min
